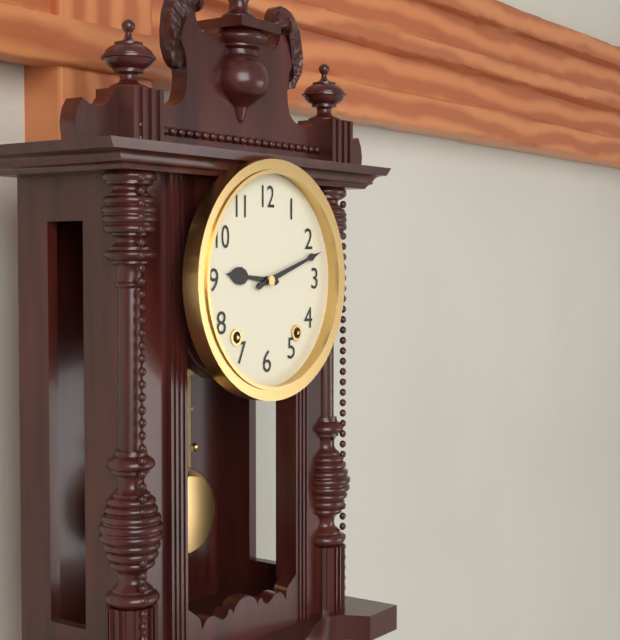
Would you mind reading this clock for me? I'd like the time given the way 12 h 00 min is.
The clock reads 9 h 12 min
